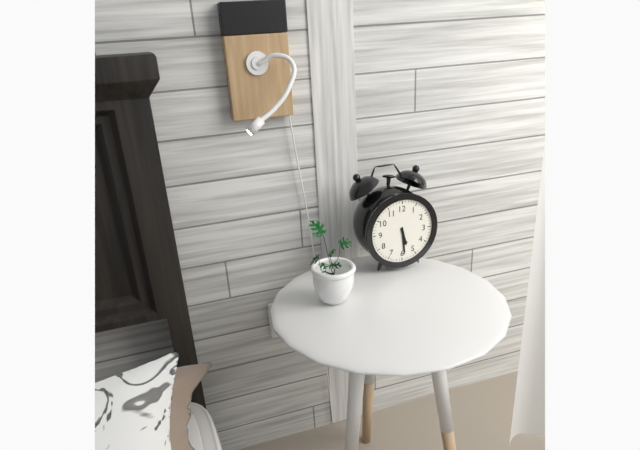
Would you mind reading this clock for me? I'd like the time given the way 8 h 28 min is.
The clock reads 5 h 29 min
